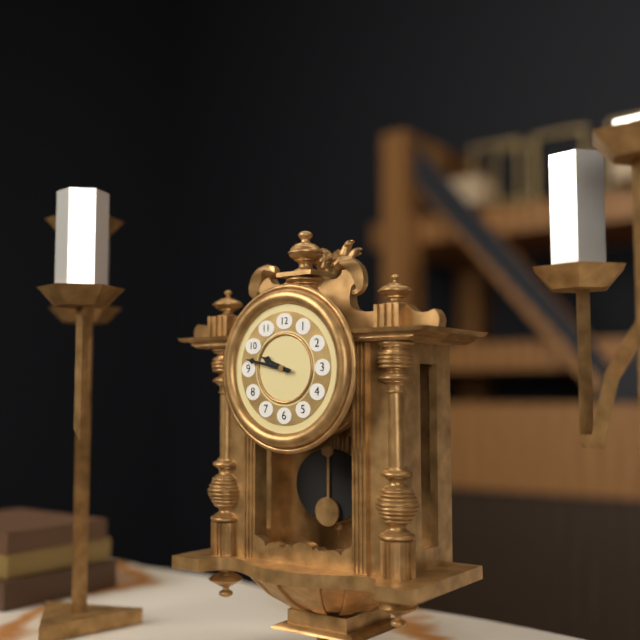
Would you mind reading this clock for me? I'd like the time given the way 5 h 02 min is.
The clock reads 9 h 47 min
